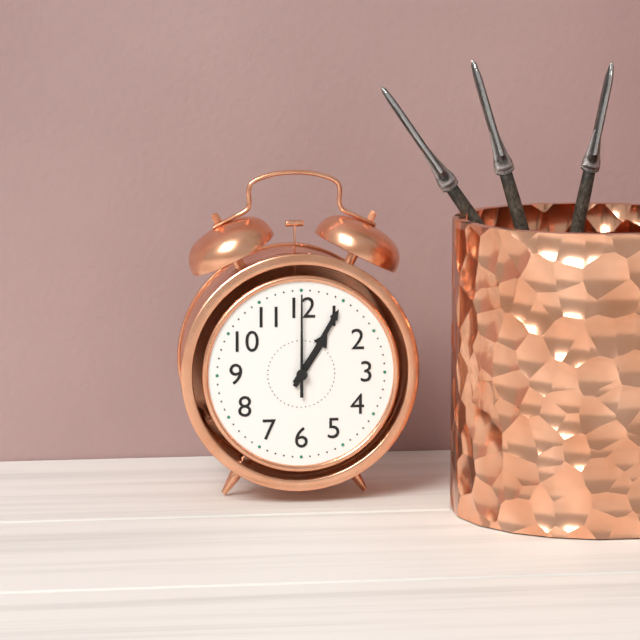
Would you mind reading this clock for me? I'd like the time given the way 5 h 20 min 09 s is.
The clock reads 1 h 05 min 00 s
